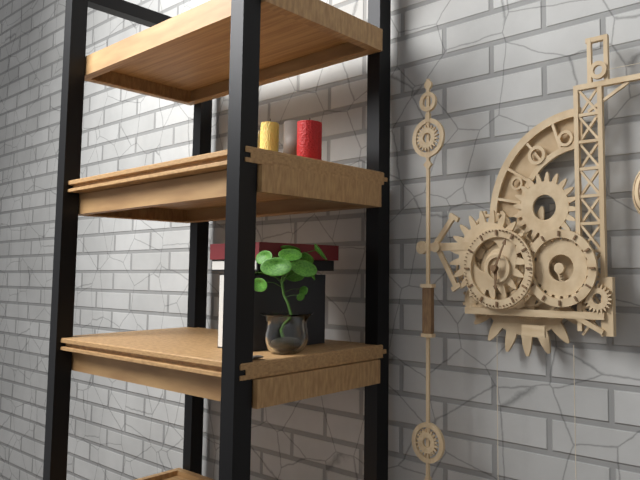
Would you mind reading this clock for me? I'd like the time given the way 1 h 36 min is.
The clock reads 6 h 04 min
